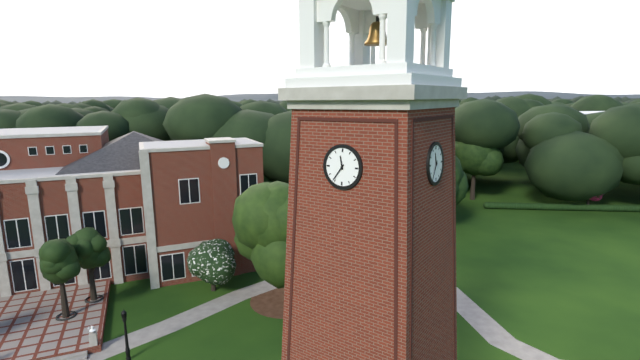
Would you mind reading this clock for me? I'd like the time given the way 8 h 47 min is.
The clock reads 11 h 36 min
